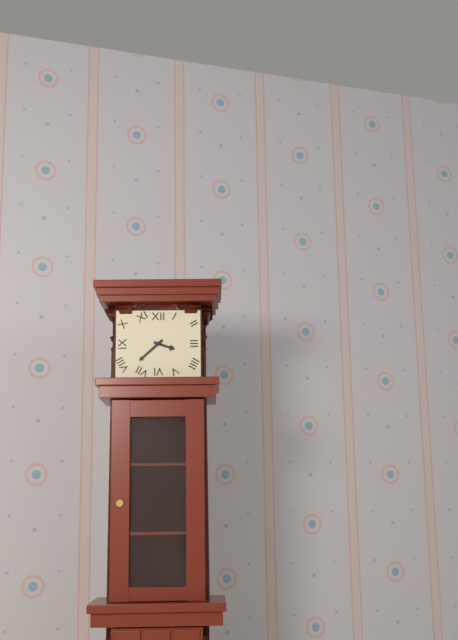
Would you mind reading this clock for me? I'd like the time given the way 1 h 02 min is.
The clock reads 3 h 38 min
